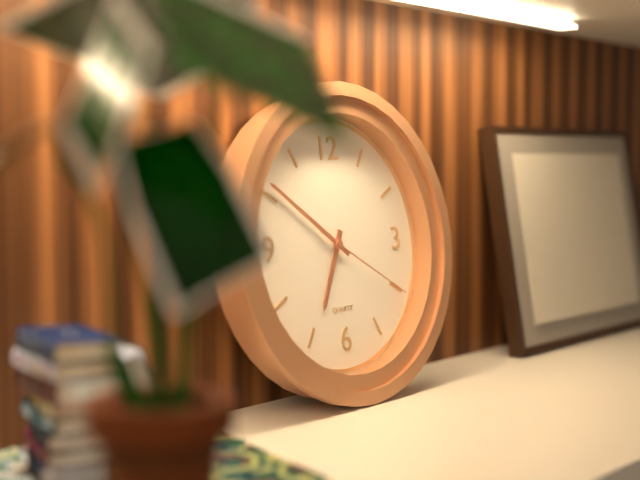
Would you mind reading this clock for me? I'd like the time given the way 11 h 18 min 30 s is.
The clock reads 6 h 51 min 20 s
